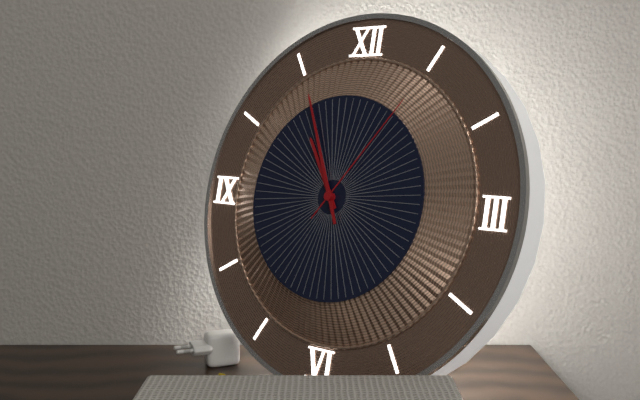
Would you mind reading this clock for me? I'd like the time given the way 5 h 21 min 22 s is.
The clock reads 10 h 56 min 06 s
